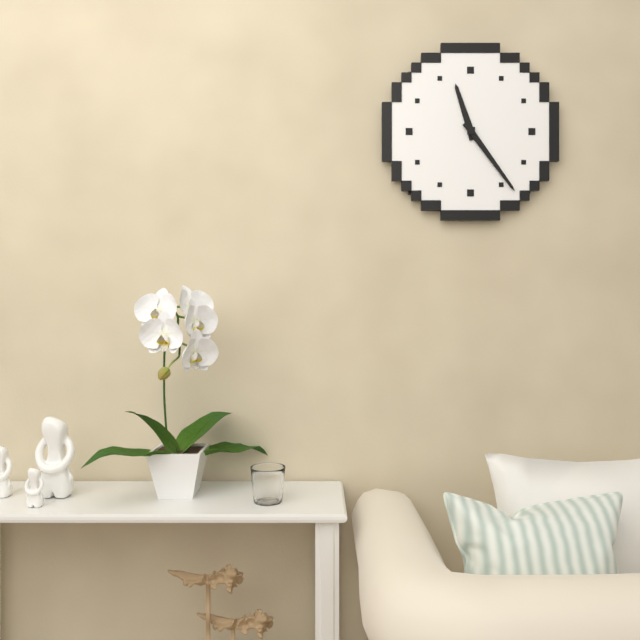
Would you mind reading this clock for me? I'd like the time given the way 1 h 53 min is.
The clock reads 11 h 24 min
